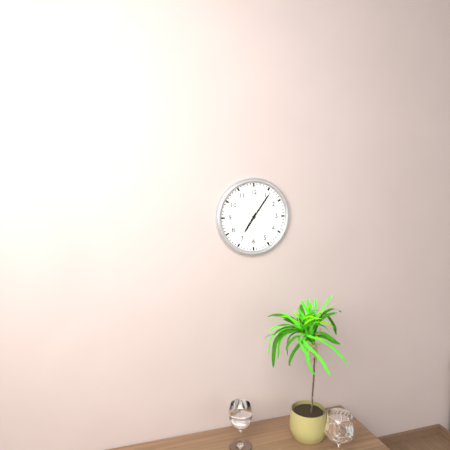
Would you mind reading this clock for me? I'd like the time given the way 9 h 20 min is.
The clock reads 7 h 06 min
